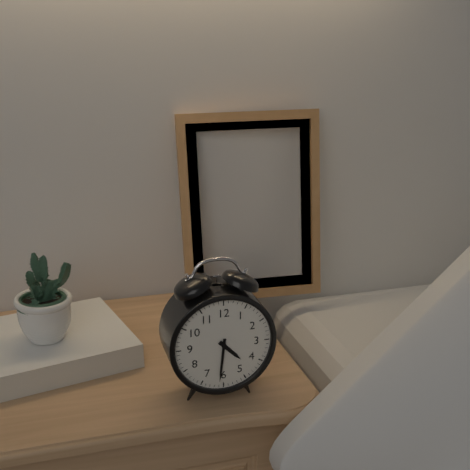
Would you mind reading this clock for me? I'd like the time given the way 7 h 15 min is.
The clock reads 4 h 31 min
